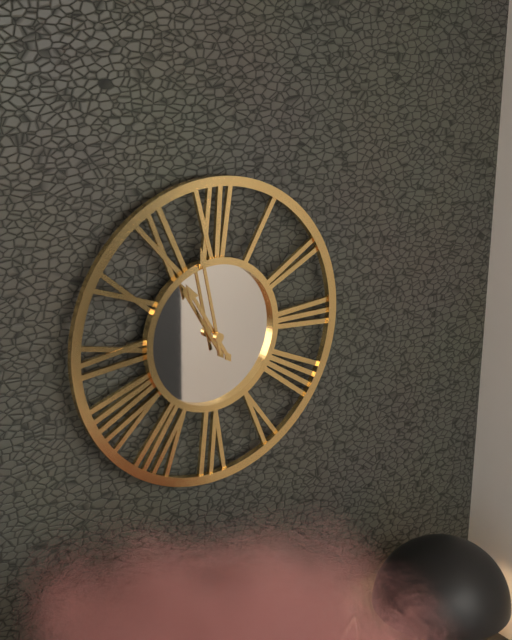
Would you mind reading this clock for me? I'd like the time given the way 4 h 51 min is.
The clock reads 10 h 58 min
